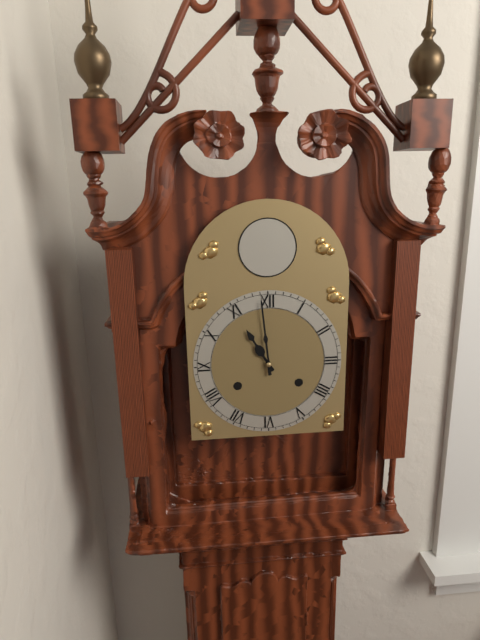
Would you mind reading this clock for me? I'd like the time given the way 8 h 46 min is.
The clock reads 10 h 59 min
